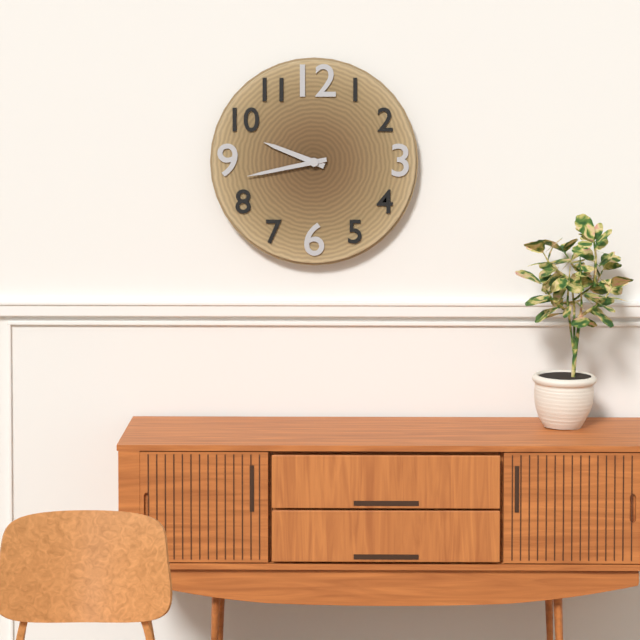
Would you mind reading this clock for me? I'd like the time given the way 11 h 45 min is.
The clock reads 9 h 43 min
